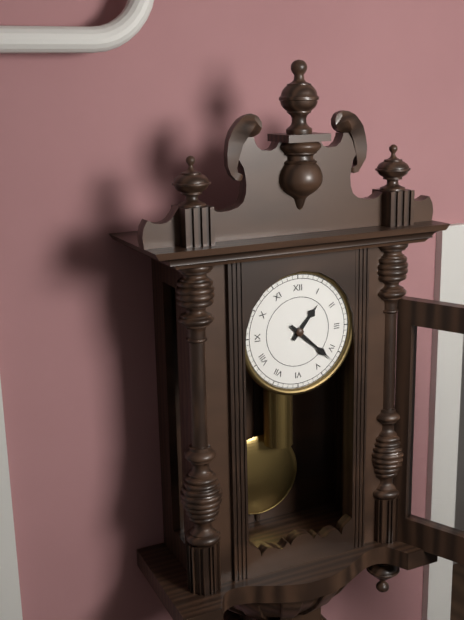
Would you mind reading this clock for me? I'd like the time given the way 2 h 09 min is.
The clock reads 1 h 22 min
